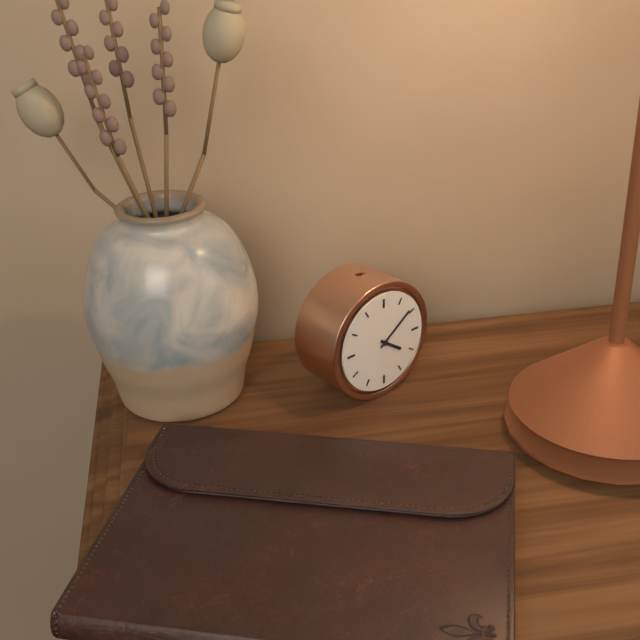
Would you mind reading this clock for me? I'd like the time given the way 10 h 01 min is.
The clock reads 4 h 09 min
